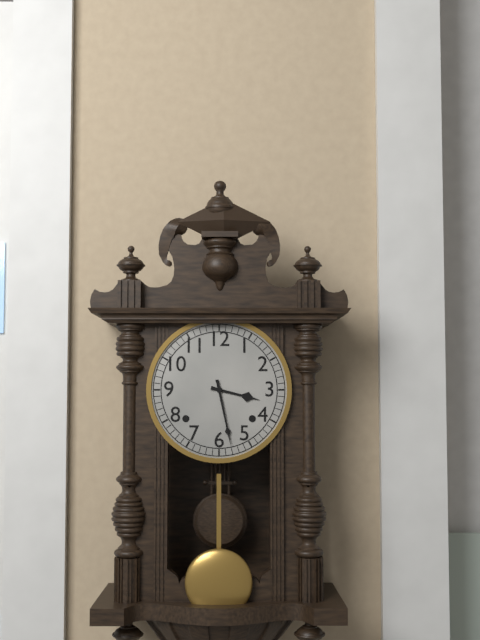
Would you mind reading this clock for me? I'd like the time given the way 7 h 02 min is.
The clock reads 3 h 28 min
